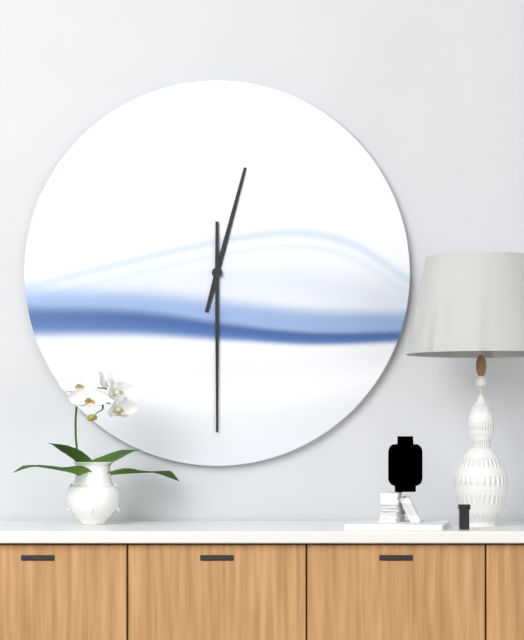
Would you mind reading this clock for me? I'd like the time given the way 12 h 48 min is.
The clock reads 12 h 30 min
